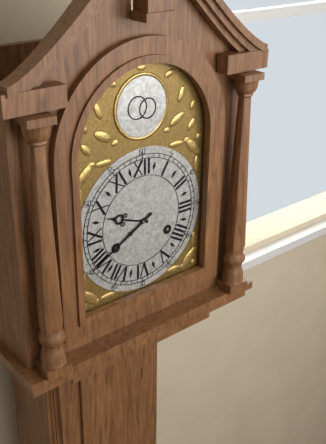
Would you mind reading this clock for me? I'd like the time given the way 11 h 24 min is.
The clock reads 9 h 40 min
